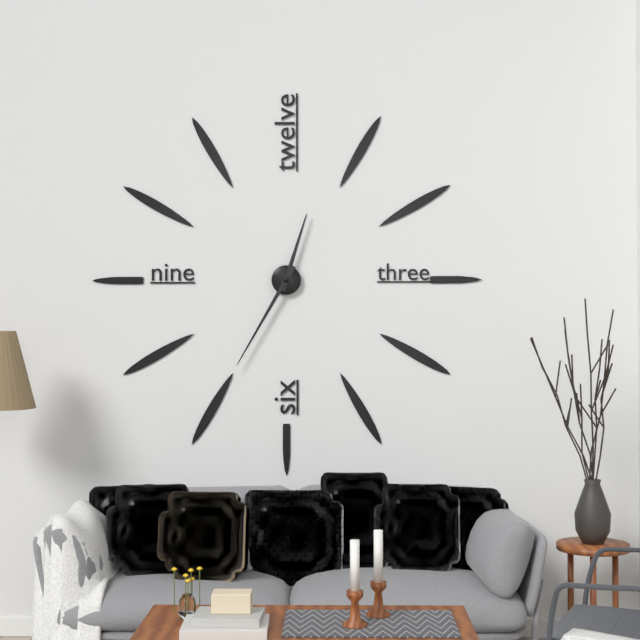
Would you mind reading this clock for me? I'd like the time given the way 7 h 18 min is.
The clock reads 12 h 35 min
